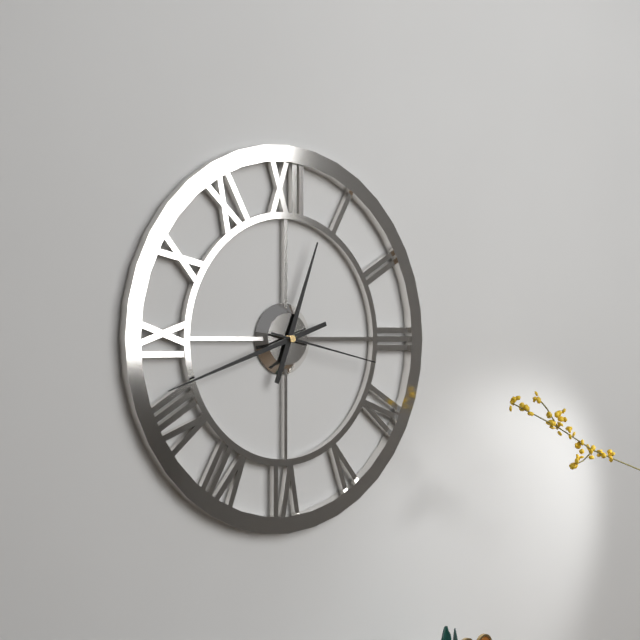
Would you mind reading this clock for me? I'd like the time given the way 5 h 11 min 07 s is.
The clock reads 12 h 42 min 17 s
